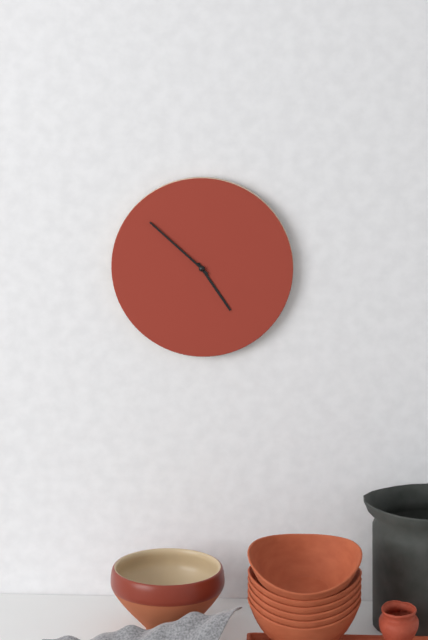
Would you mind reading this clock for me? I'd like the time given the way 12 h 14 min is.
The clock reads 4 h 52 min
